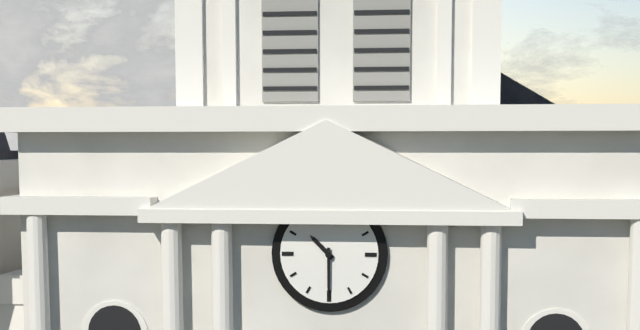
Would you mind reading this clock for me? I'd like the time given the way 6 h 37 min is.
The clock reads 10 h 30 min
